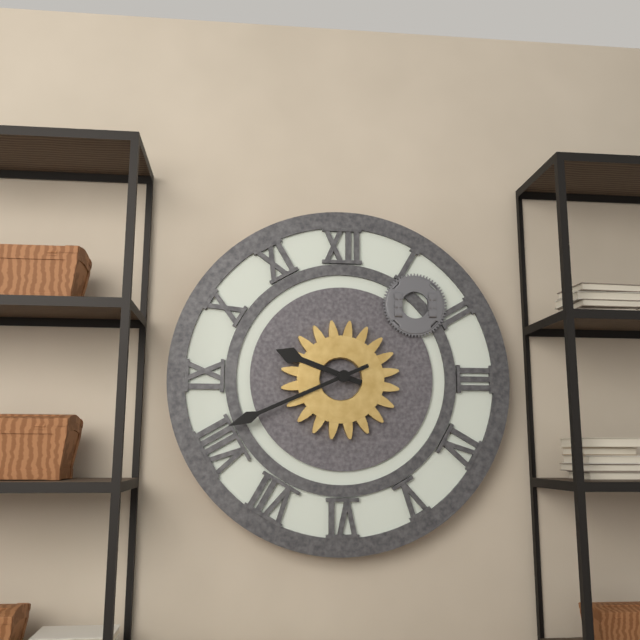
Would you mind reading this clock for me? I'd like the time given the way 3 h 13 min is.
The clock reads 9 h 41 min
